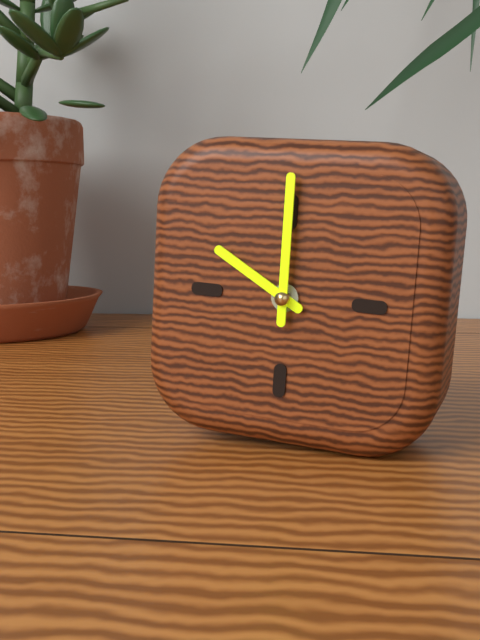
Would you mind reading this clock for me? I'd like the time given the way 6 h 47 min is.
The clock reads 10 h 00 min
